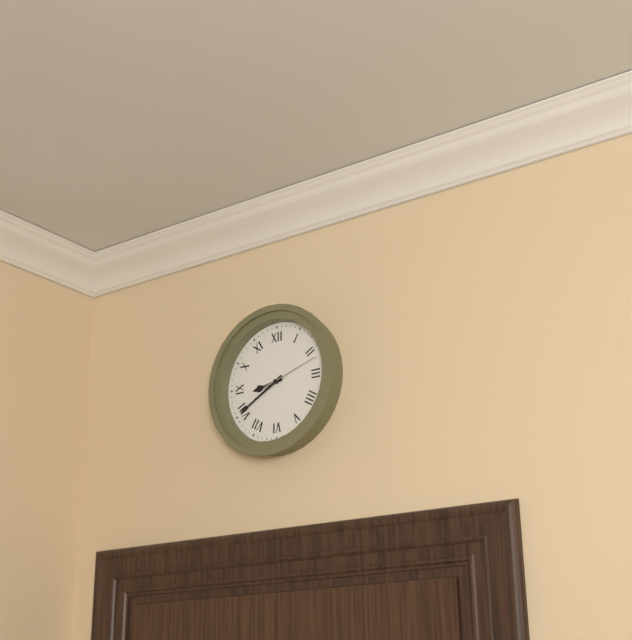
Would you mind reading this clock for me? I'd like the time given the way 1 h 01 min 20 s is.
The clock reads 8 h 40 min 12 s
